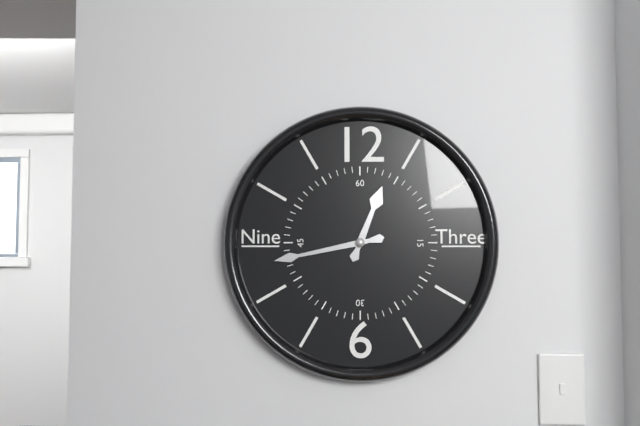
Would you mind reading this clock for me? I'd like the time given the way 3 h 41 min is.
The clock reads 12 h 43 min
